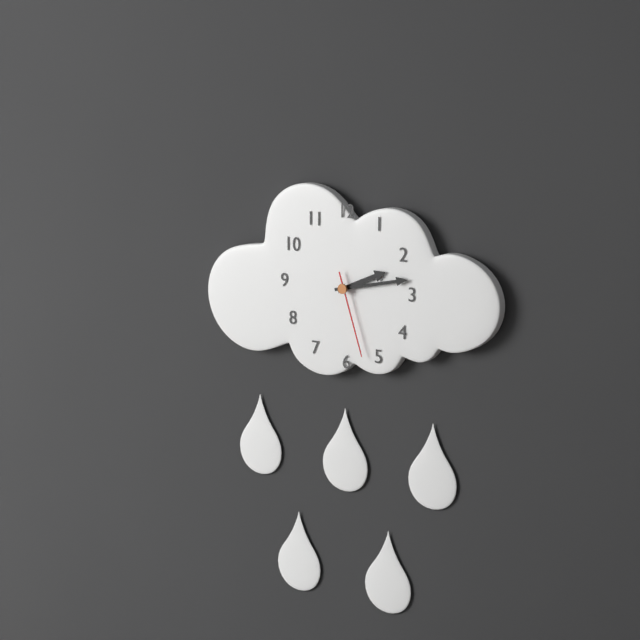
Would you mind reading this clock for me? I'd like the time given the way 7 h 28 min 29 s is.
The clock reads 2 h 13 min 27 s
